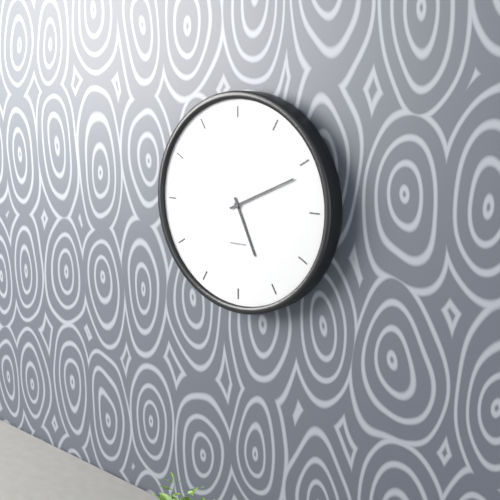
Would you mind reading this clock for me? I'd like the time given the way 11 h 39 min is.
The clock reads 5 h 11 min
